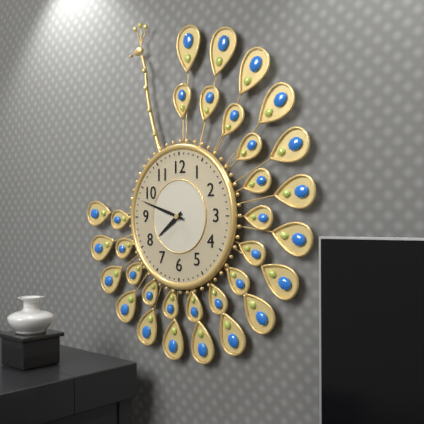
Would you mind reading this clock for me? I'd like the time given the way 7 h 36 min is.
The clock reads 7 h 48 min
